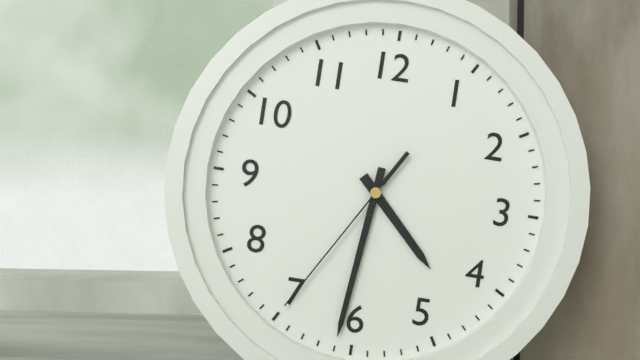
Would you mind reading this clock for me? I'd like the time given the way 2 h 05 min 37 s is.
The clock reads 4 h 31 min 35 s
